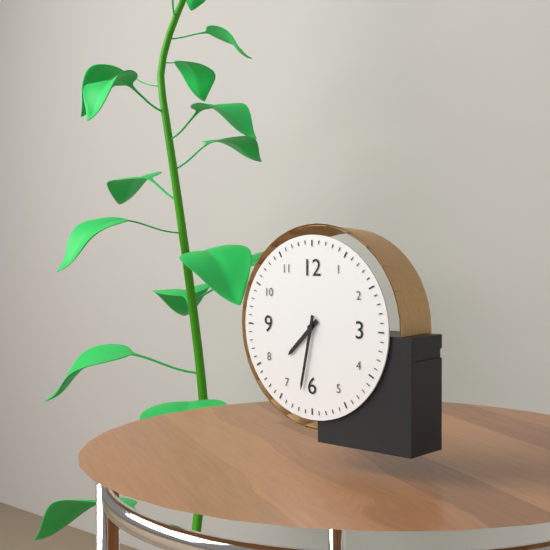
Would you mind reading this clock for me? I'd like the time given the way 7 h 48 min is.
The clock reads 7 h 32 min
